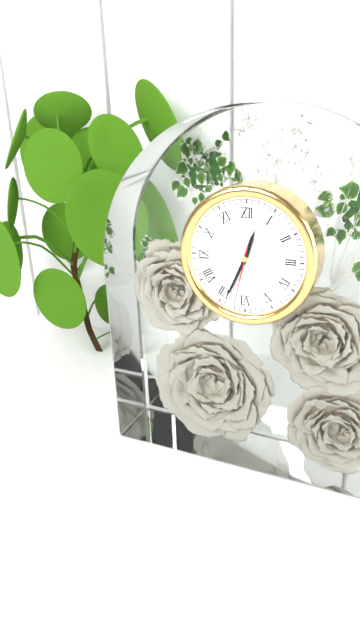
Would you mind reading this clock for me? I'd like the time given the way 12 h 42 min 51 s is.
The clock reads 12 h 34 min 32 s
